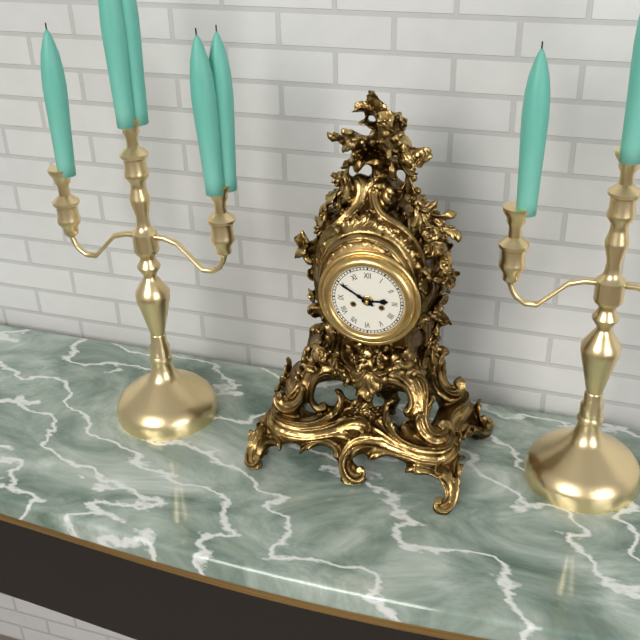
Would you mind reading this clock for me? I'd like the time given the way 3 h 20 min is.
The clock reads 2 h 50 min
